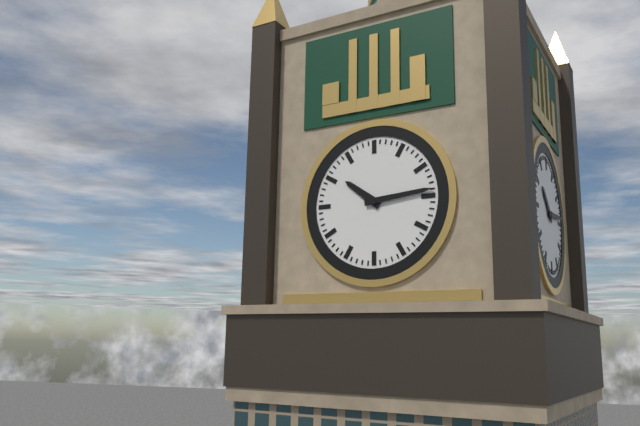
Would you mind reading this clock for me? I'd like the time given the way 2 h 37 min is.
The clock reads 10 h 14 min
